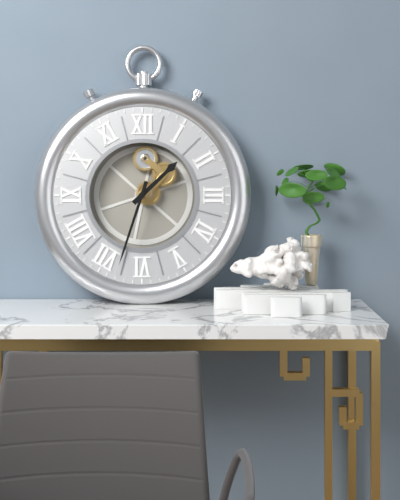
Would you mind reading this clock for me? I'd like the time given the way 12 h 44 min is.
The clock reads 1 h 33 min
